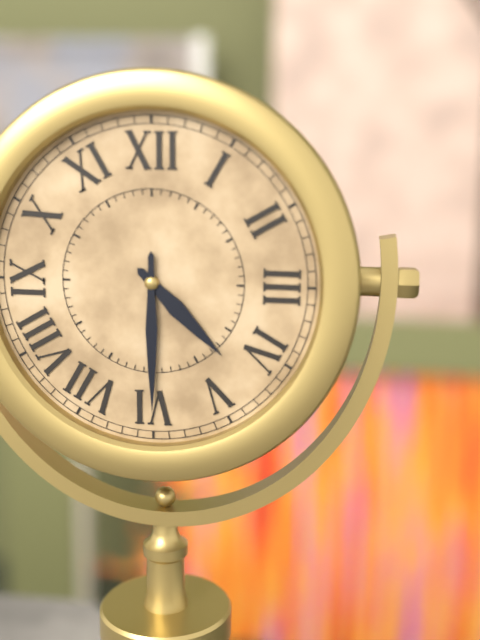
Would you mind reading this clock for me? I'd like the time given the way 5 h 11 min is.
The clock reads 4 h 30 min
